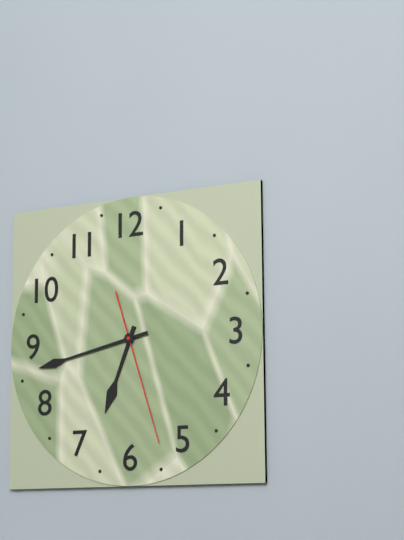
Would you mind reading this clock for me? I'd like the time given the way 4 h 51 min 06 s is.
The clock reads 6 h 43 min 27 s
